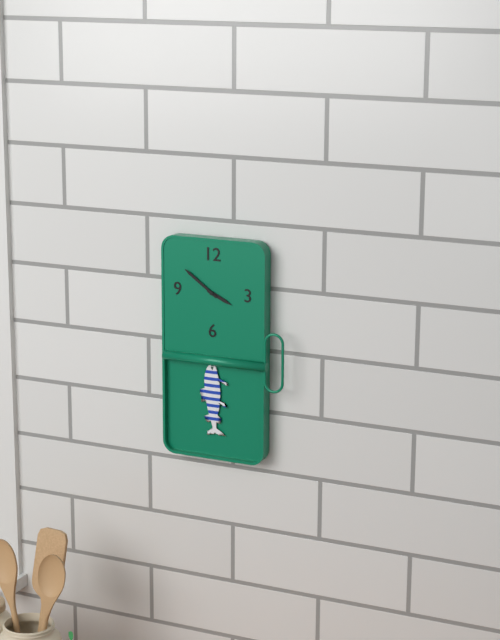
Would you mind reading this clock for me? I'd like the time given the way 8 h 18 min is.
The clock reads 3 h 51 min
